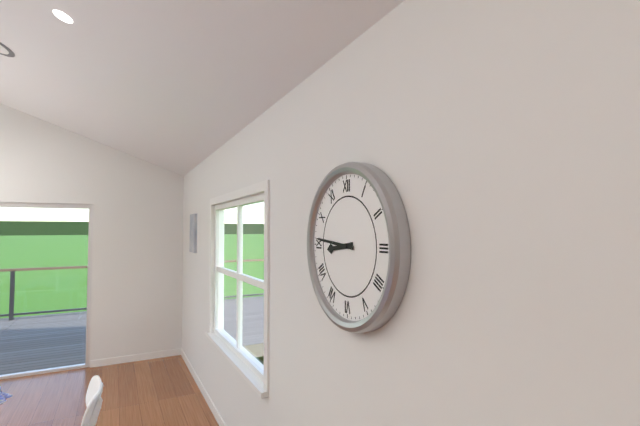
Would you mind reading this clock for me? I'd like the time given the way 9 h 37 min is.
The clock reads 8 h 46 min
